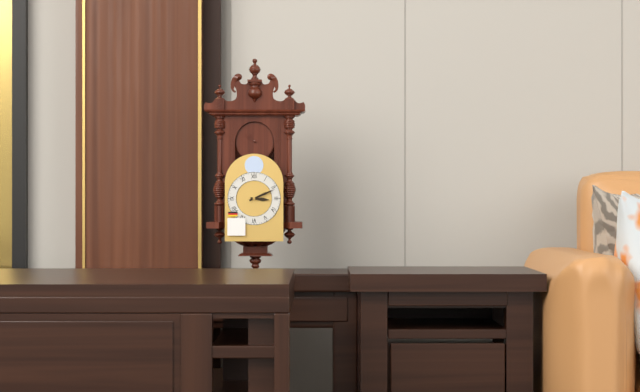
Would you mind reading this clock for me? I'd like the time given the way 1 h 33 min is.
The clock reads 3 h 11 min
